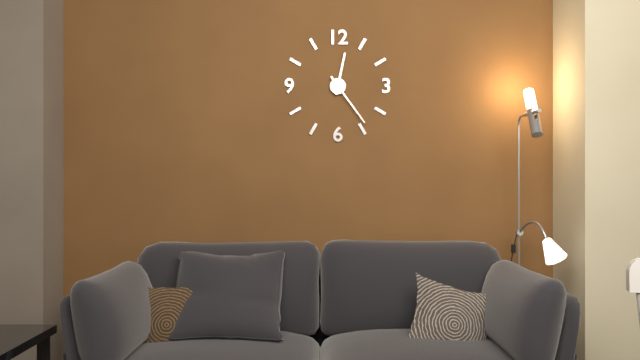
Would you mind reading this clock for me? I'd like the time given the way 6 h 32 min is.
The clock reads 12 h 24 min
